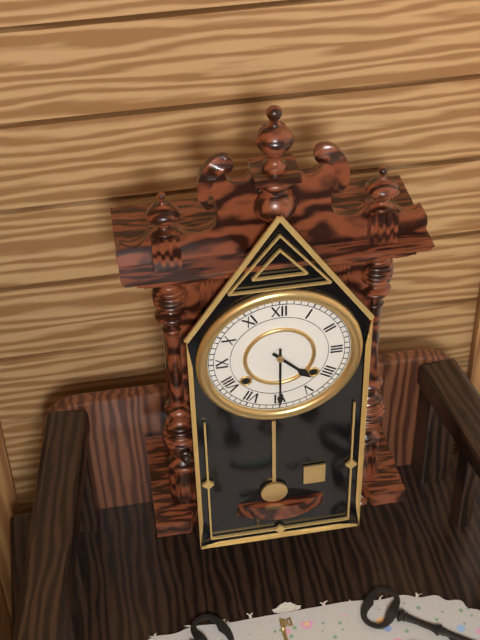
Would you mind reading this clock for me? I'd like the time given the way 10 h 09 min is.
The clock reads 4 h 30 min
